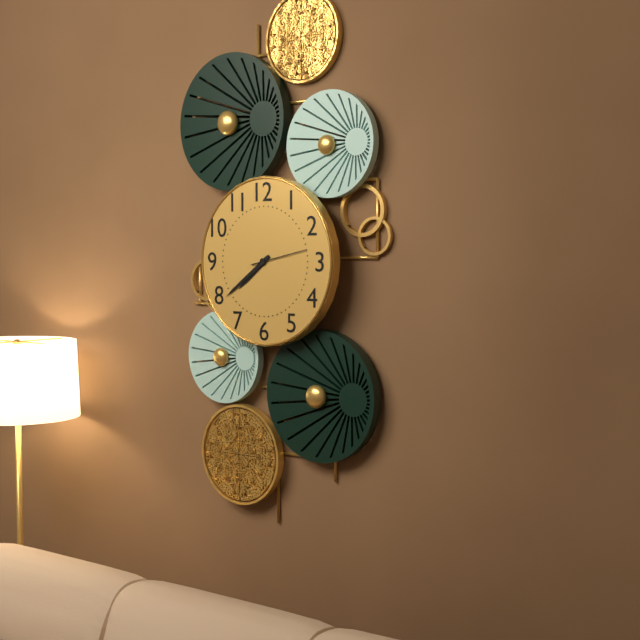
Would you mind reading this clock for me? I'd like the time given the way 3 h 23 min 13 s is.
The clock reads 7 h 39 min 13 s
